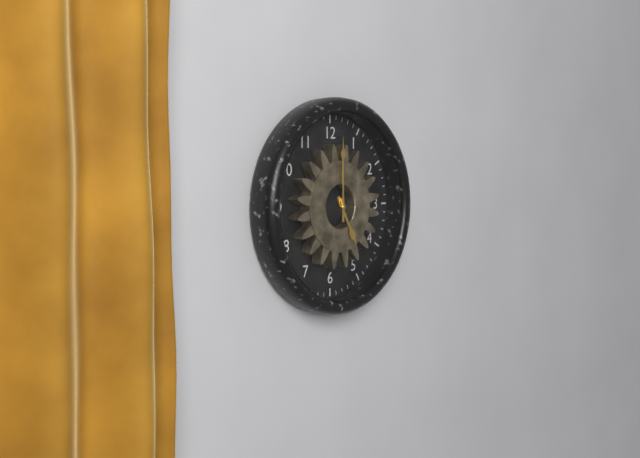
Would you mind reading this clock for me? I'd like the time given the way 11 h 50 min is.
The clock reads 5 h 00 min
